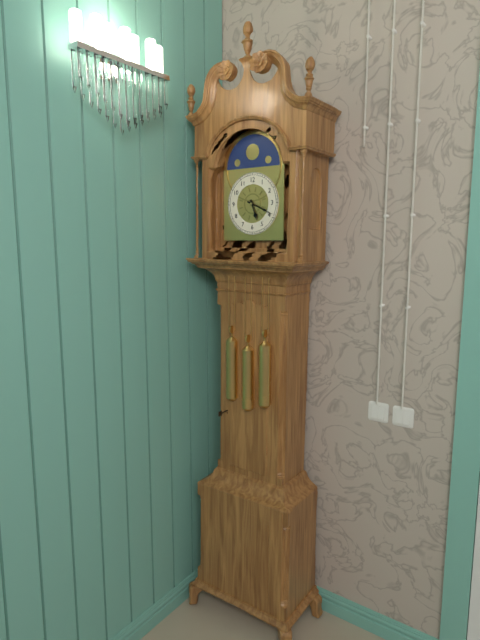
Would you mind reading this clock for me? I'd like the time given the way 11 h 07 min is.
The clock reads 5 h 19 min
